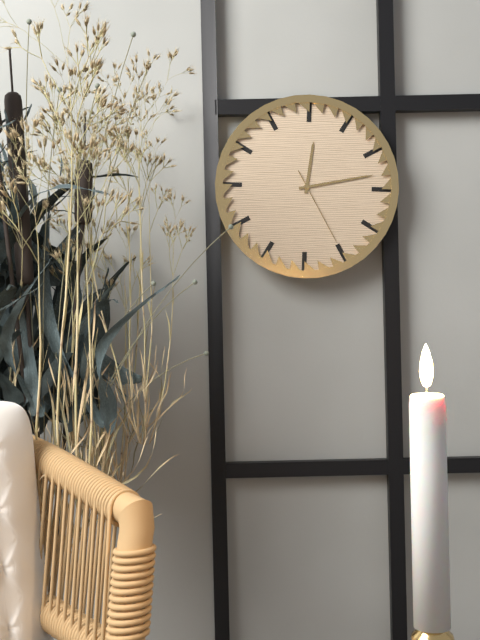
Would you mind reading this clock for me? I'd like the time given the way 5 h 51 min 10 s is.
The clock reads 12 h 13 min 25 s
